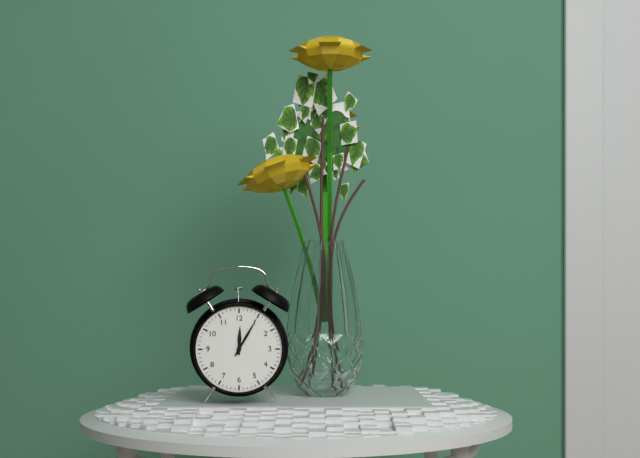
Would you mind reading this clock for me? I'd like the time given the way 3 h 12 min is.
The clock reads 12 h 05 min
